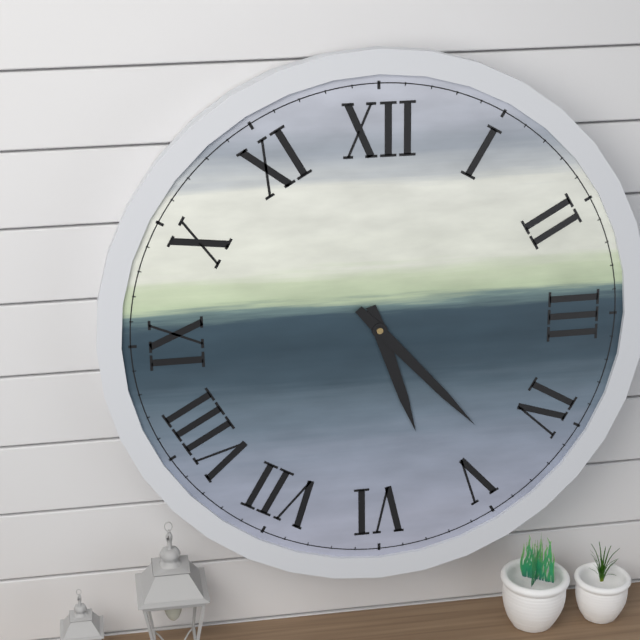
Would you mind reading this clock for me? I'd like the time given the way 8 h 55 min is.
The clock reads 5 h 23 min
